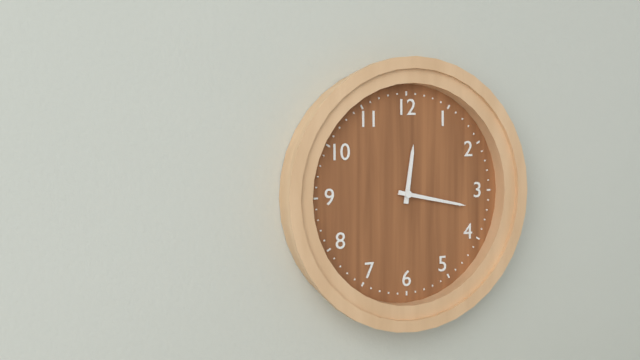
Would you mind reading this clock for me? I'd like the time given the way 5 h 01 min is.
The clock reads 12 h 17 min
